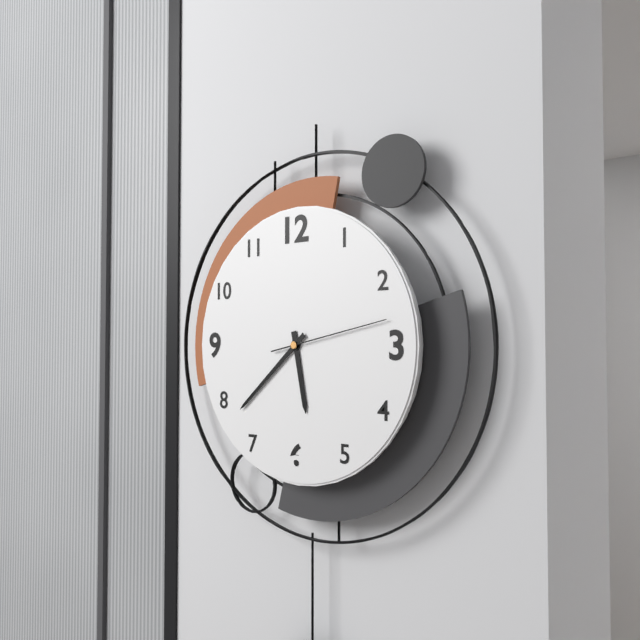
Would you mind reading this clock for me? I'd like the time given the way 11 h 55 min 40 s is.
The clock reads 5 h 38 min 13 s
